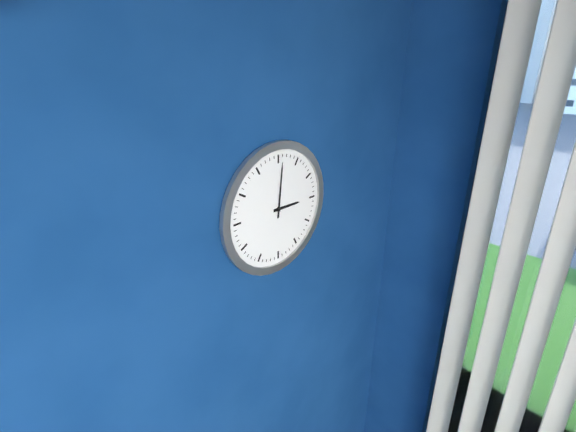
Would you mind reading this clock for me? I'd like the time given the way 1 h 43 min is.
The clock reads 3 h 01 min
